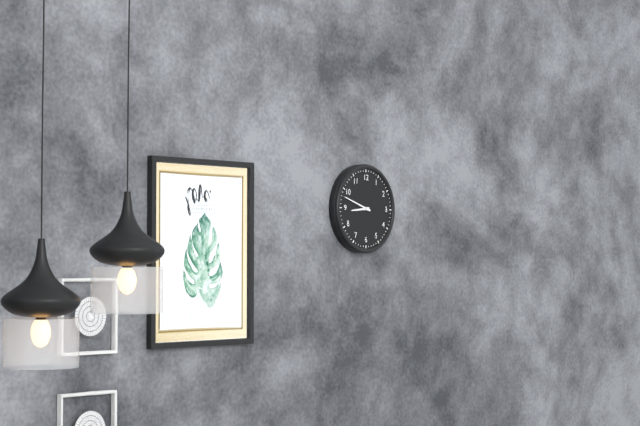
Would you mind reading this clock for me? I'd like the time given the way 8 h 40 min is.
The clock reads 8 h 48 min
